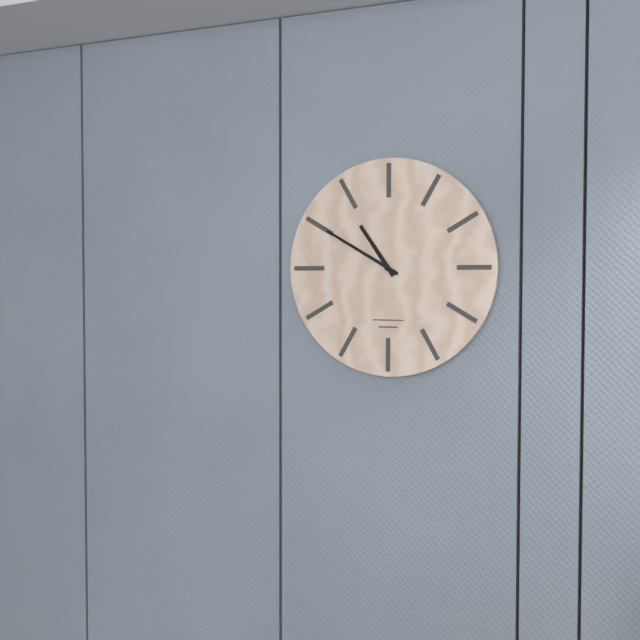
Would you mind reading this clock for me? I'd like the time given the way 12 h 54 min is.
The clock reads 10 h 50 min
